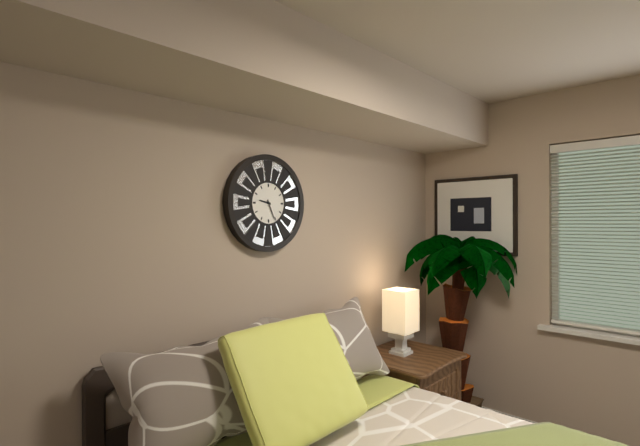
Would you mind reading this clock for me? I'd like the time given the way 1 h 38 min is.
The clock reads 9 h 26 min
